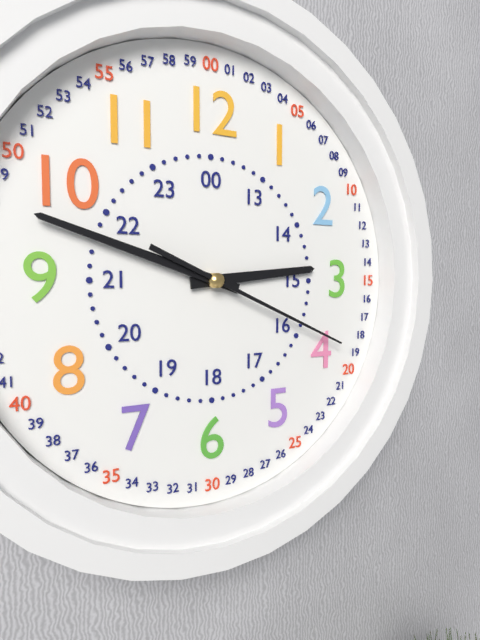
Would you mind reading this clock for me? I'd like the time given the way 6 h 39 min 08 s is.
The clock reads 2 h 48 min 19 s
